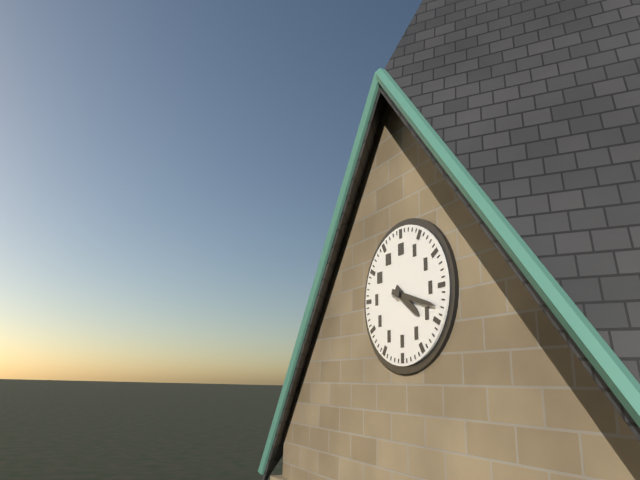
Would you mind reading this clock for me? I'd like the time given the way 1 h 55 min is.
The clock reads 4 h 18 min
